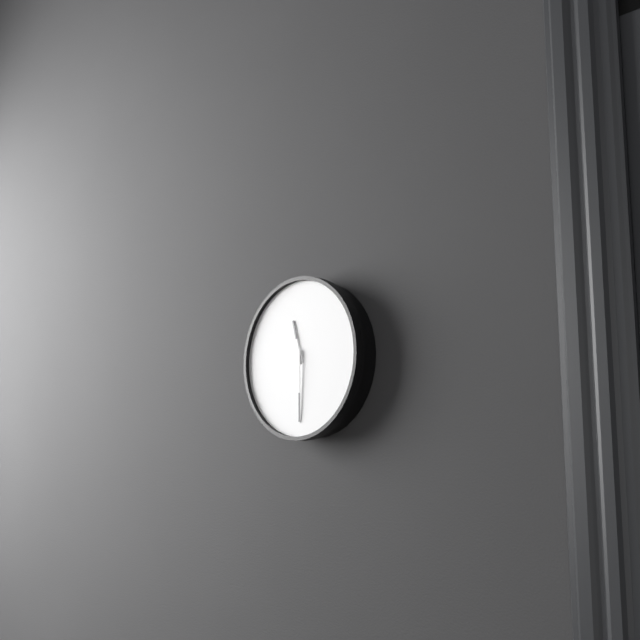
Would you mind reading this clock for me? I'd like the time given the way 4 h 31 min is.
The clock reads 11 h 30 min
